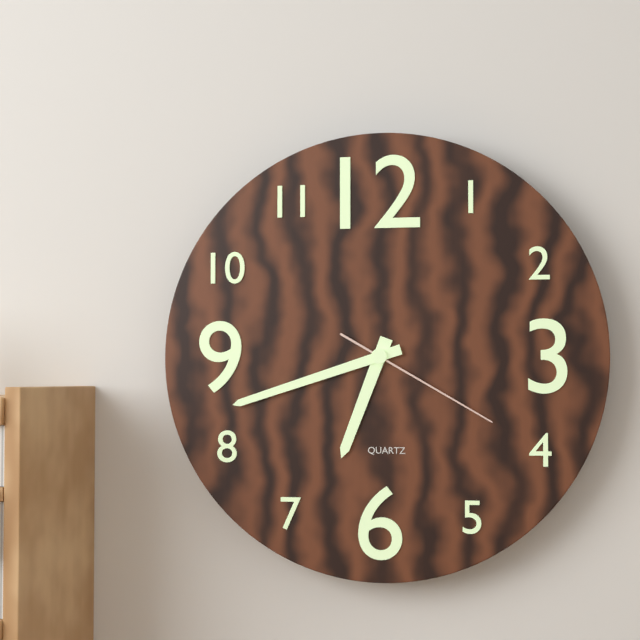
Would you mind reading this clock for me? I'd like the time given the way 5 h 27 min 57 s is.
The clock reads 6 h 42 min 20 s
